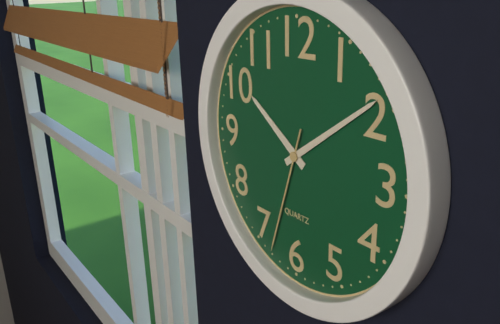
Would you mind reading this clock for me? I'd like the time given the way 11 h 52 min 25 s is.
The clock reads 10 h 09 min 33 s
